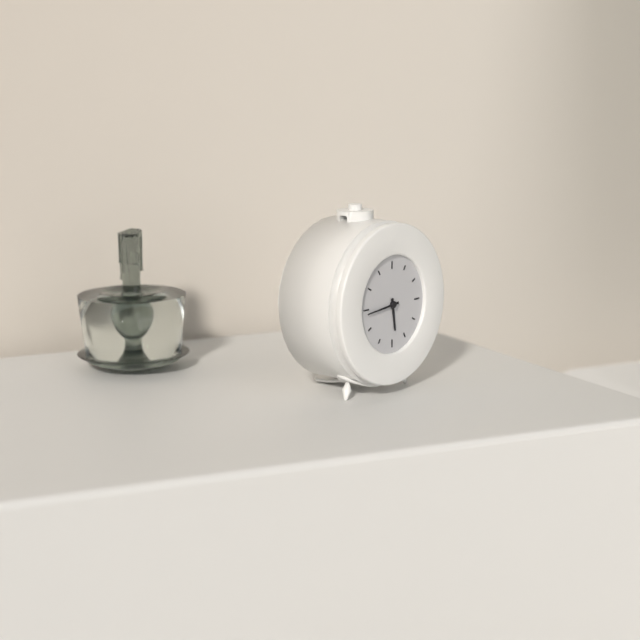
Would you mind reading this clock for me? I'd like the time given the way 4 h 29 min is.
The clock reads 5 h 44 min
